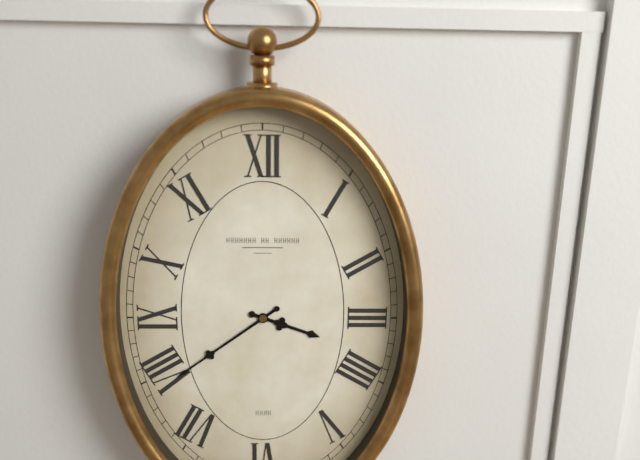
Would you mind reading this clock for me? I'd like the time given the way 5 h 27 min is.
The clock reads 3 h 39 min
